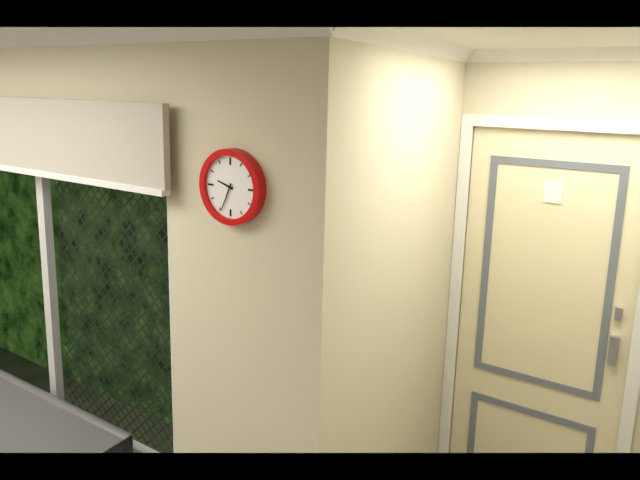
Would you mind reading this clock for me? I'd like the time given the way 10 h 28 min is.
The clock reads 9 h 34 min
